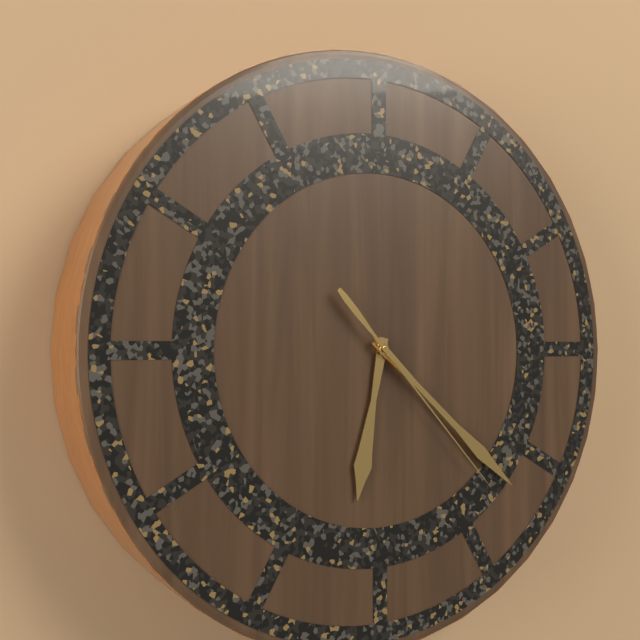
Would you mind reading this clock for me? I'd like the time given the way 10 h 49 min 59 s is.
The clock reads 6 h 22 min 23 s
